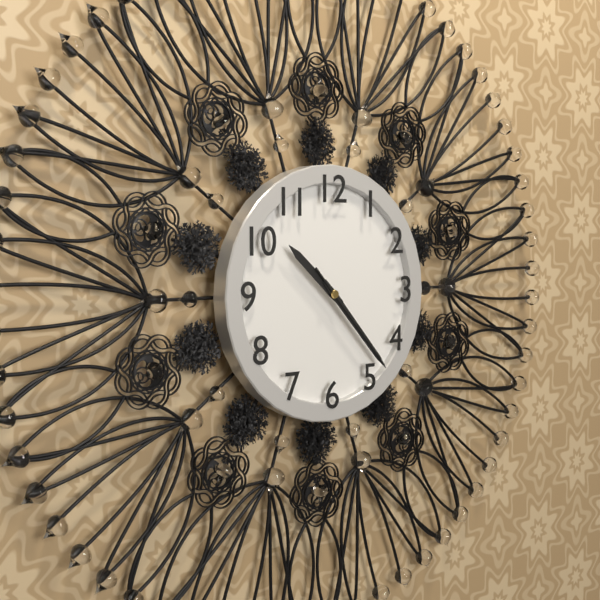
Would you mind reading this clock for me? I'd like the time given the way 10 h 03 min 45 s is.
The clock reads 10 h 23 min 23 s
